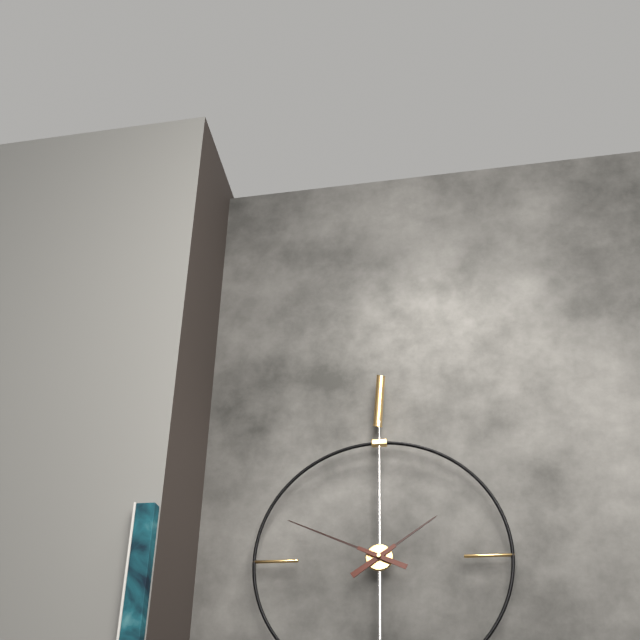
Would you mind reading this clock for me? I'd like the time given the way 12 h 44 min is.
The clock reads 1 h 49 min
